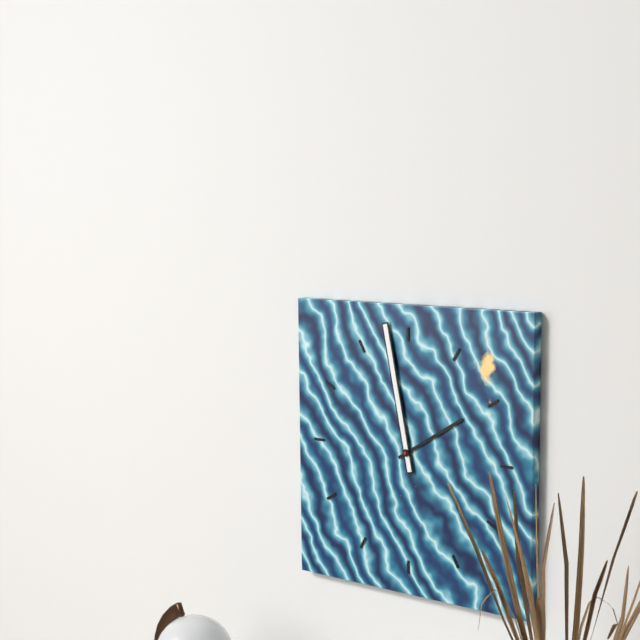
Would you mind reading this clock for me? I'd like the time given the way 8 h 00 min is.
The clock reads 1 h 58 min
